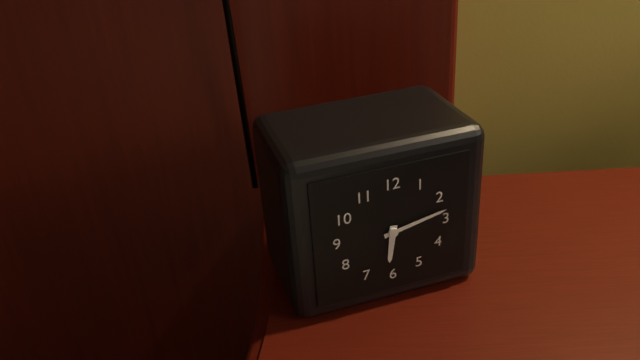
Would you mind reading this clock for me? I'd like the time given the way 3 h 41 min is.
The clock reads 6 h 13 min
